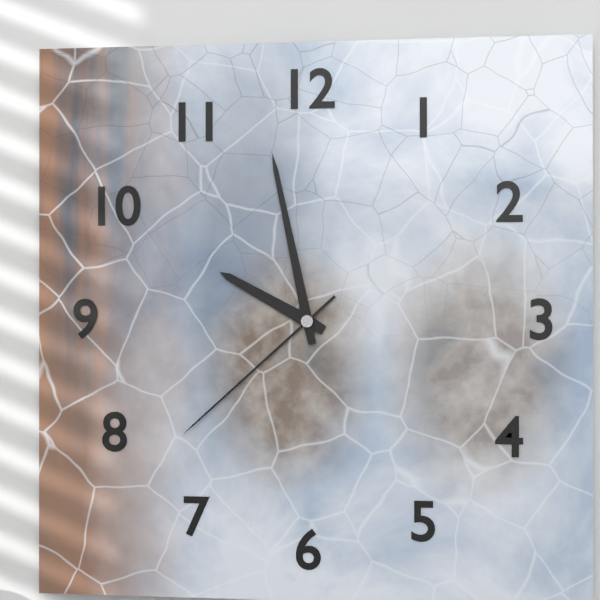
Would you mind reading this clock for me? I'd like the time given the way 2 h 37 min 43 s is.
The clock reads 9 h 58 min 38 s
